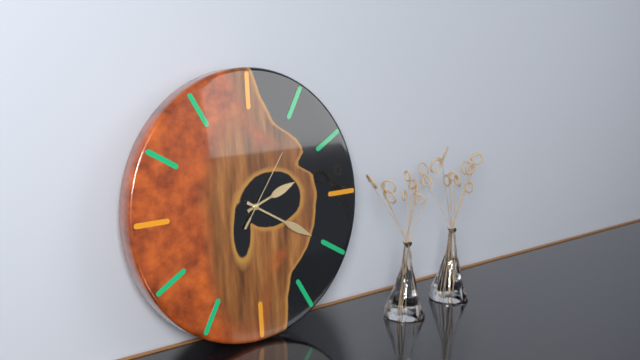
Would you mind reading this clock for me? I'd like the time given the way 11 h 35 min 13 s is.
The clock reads 2 h 20 min 06 s
